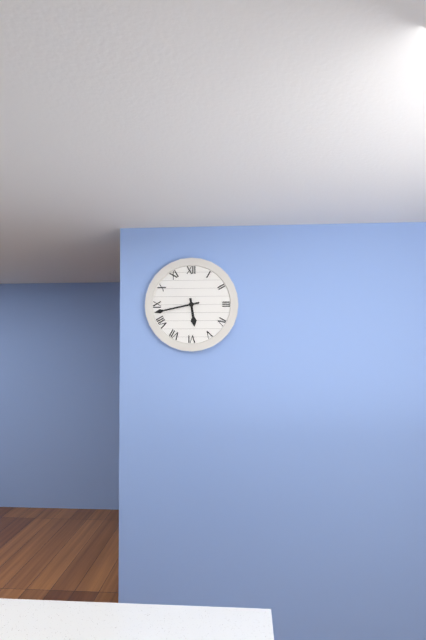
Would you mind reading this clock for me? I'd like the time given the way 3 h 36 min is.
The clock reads 5 h 43 min
